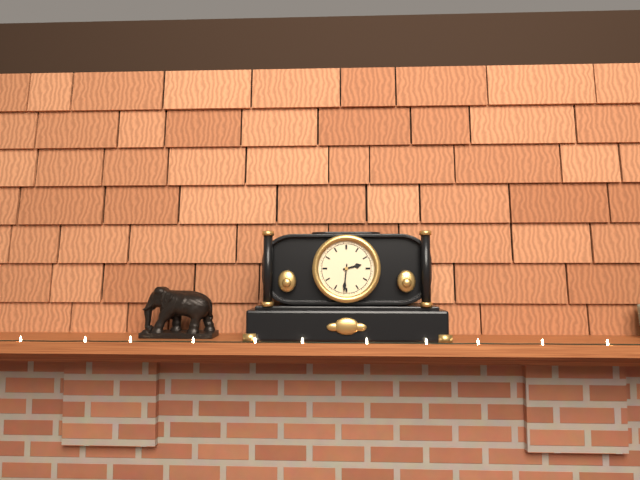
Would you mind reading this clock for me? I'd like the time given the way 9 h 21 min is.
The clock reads 2 h 31 min
